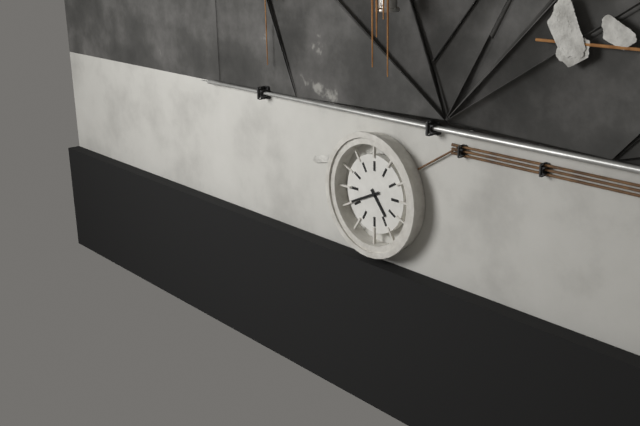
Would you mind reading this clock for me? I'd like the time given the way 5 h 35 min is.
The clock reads 4 h 41 min
